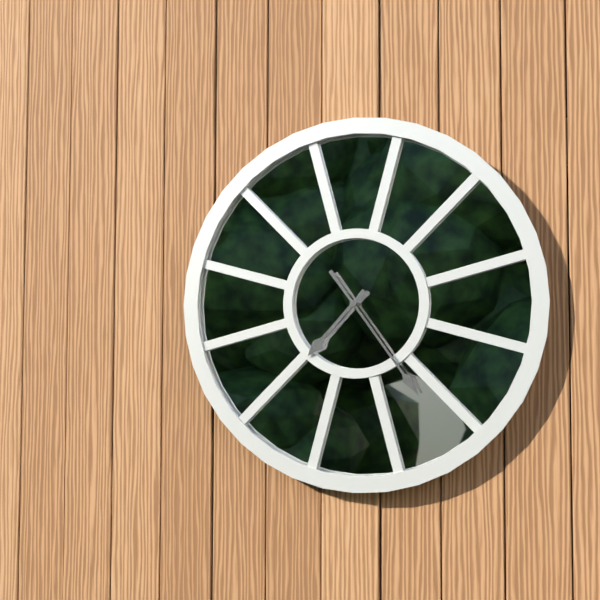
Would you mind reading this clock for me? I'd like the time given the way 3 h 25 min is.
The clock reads 7 h 24 min
